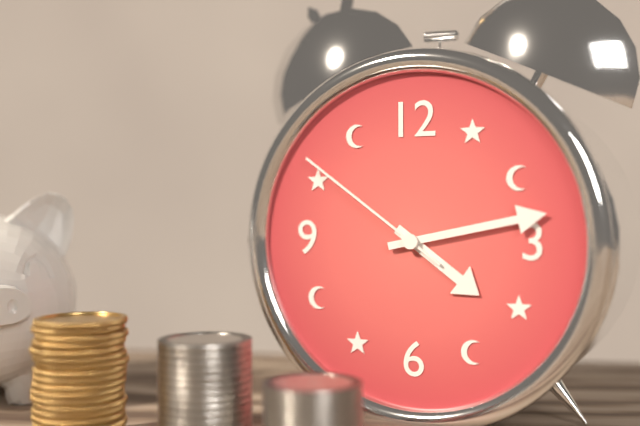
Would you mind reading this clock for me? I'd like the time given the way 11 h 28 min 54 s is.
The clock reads 4 h 13 min 51 s
